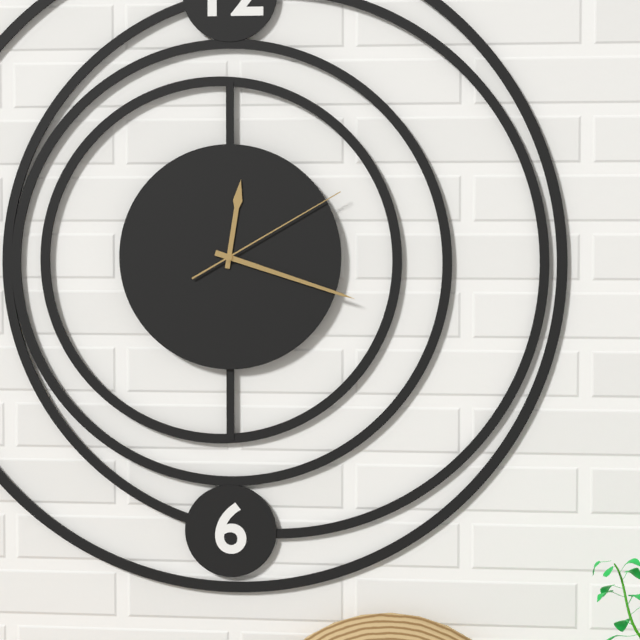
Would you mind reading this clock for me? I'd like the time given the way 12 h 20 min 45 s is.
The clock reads 12 h 18 min 10 s
